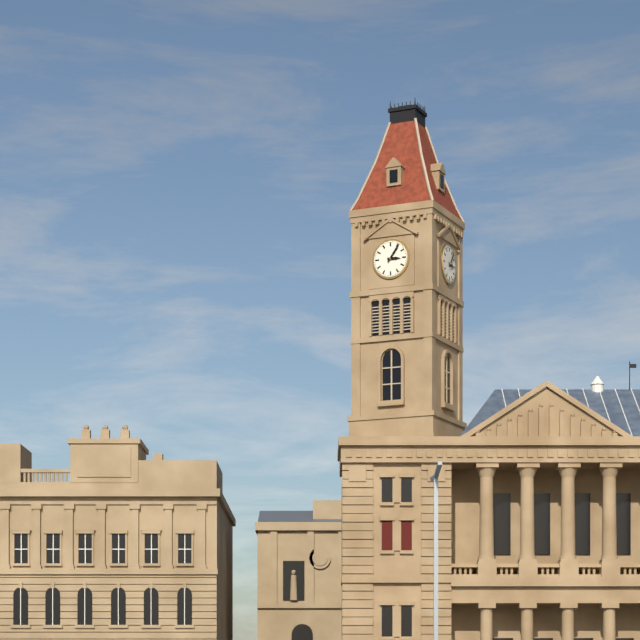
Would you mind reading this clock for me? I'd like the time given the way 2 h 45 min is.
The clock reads 3 h 06 min
